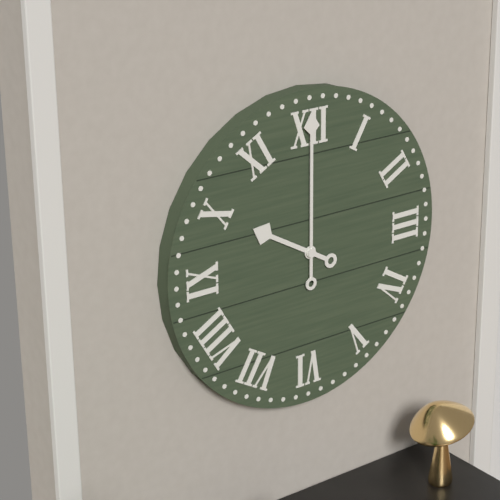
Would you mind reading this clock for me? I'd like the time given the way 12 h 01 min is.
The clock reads 10 h 00 min
